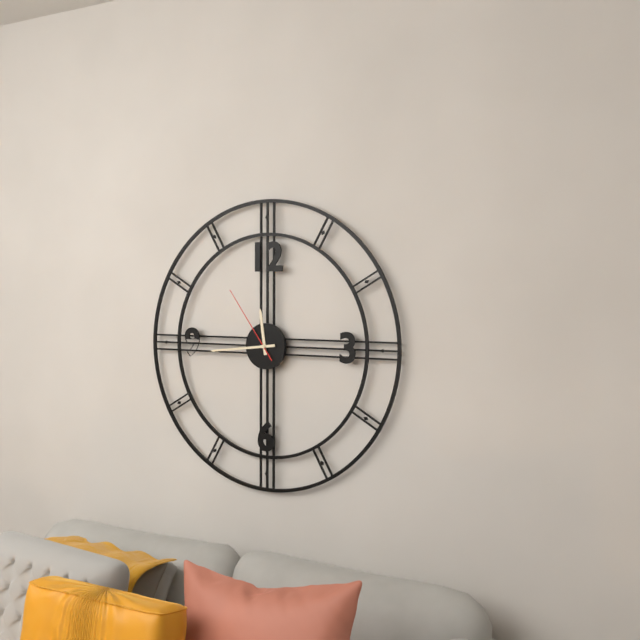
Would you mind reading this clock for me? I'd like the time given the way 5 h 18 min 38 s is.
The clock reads 11 h 44 min 54 s
